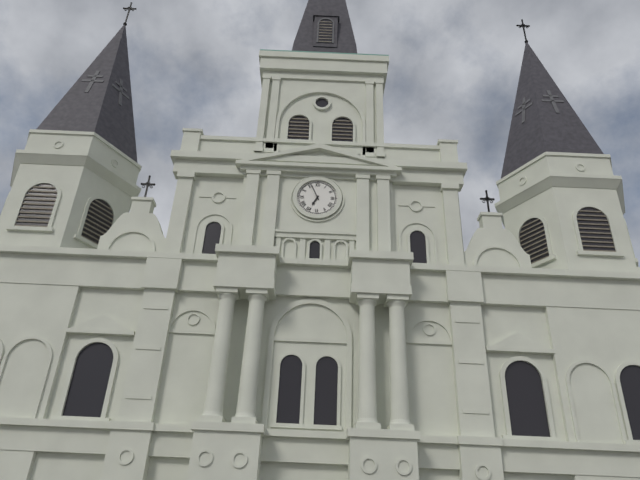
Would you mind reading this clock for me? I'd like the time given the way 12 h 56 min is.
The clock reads 6 h 56 min
